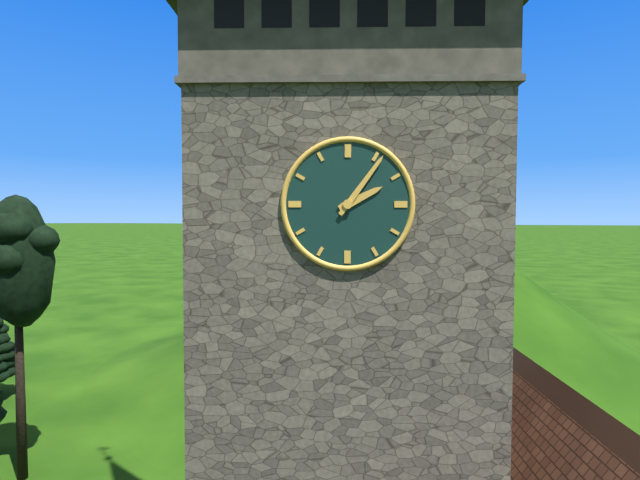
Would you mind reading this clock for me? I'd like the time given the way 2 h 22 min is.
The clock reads 2 h 06 min
